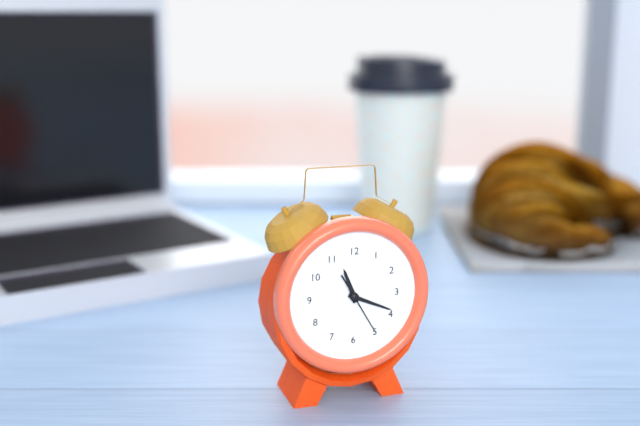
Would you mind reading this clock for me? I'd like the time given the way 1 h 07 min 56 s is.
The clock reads 11 h 19 min 25 s
